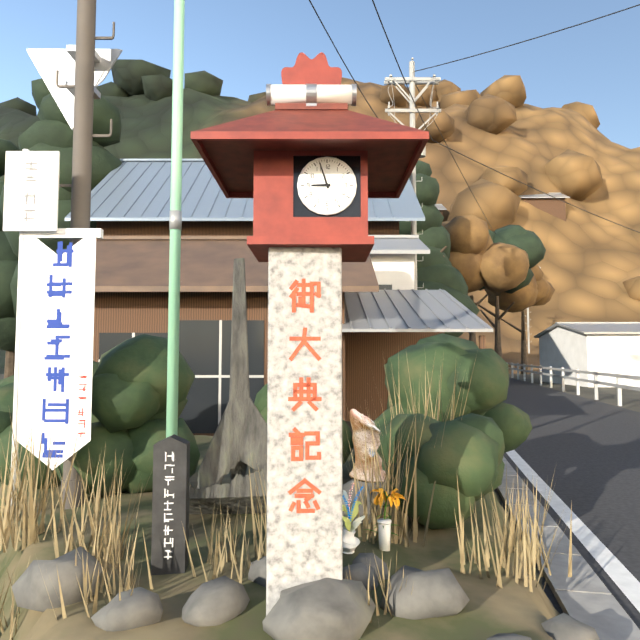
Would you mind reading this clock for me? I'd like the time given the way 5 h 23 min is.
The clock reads 8 h 57 min
